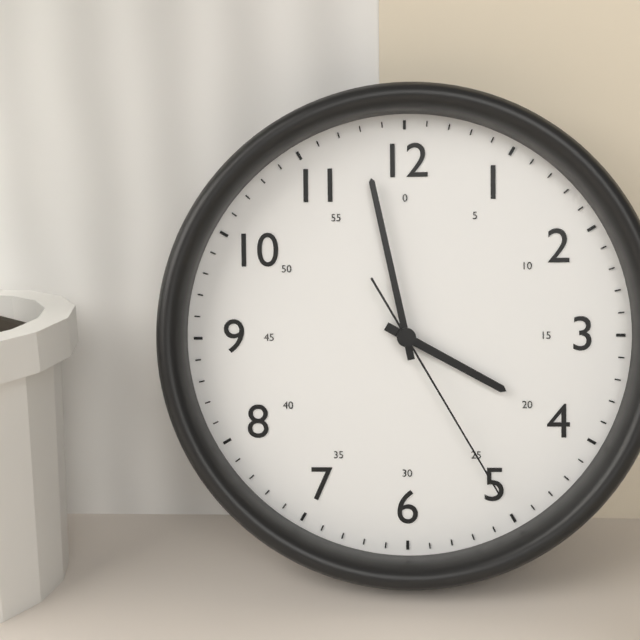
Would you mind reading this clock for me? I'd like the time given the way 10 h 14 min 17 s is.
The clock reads 3 h 58 min 25 s
